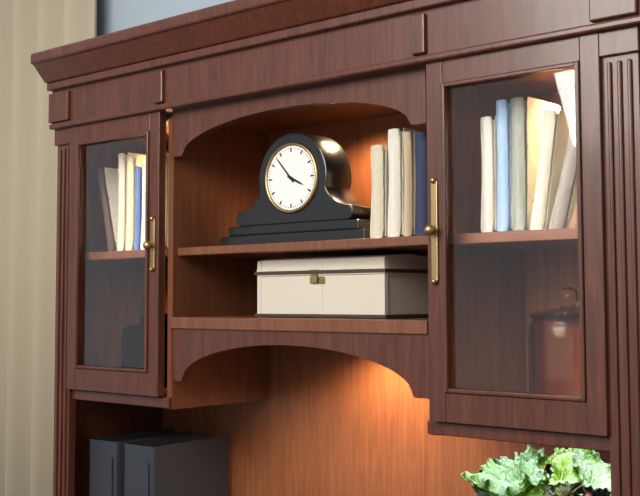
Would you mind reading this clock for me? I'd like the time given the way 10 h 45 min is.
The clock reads 3 h 53 min
